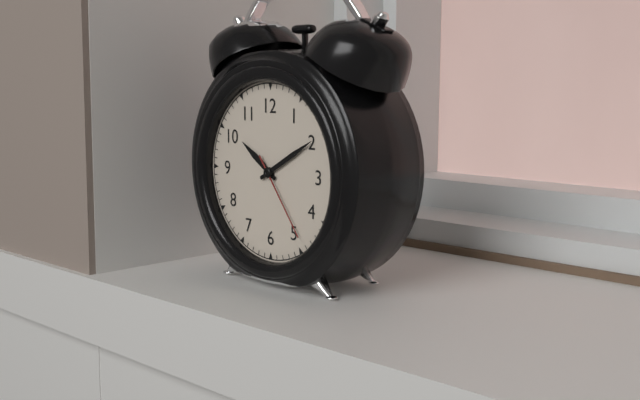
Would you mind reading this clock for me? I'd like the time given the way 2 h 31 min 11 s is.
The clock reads 10 h 10 min 24 s
